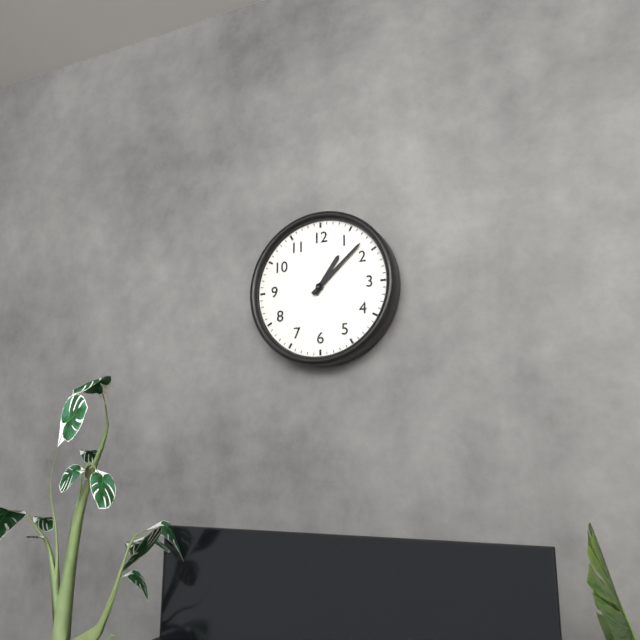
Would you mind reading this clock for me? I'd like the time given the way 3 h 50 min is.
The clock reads 1 h 08 min
